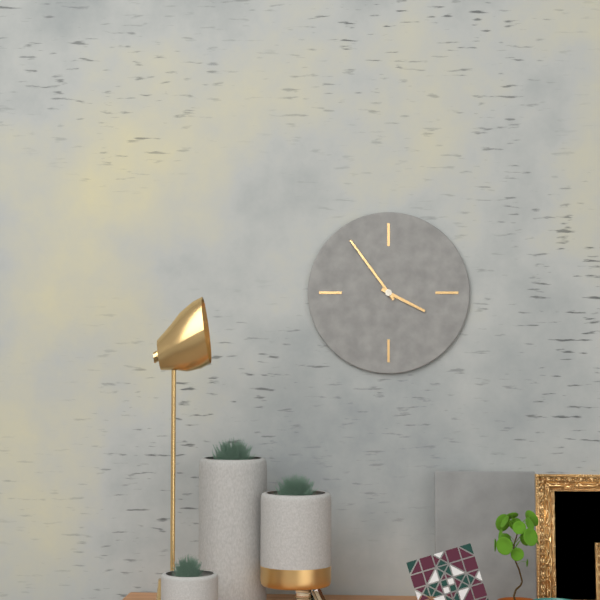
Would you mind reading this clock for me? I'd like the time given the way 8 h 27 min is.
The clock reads 3 h 54 min
